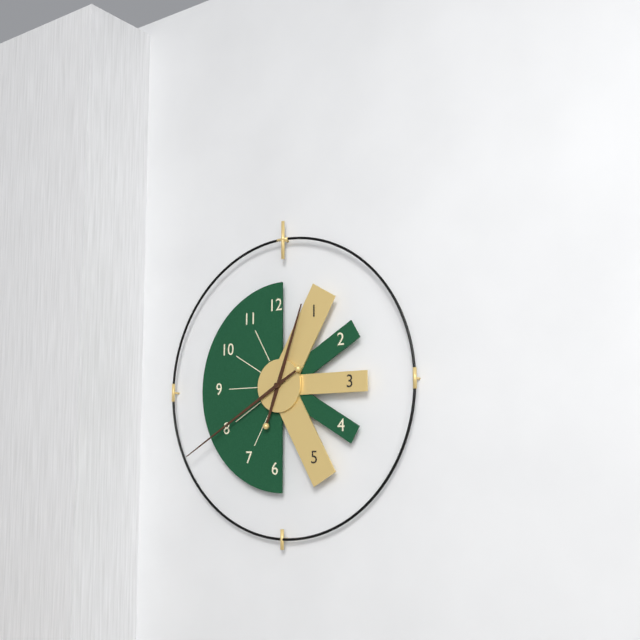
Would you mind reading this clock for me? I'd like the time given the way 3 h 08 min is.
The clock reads 12 h 40 min
